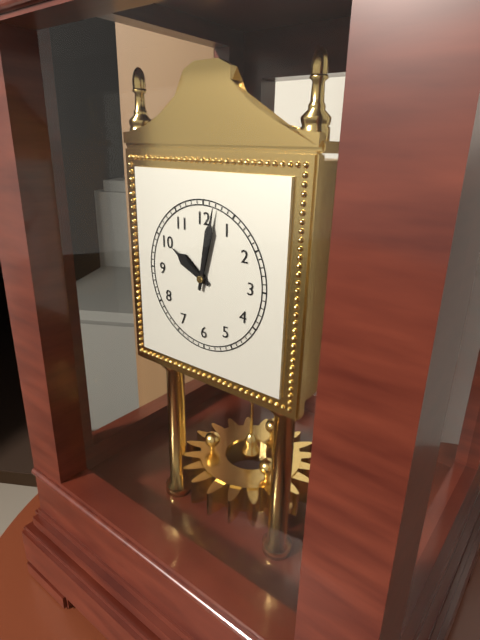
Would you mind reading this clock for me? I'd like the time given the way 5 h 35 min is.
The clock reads 10 h 02 min
